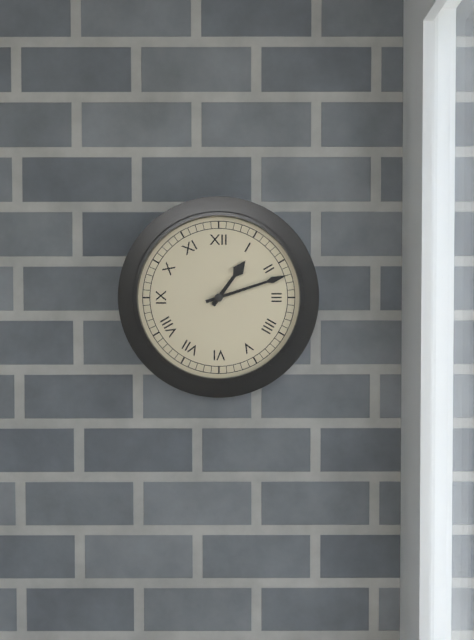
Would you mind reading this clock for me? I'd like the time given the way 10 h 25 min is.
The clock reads 1 h 12 min
